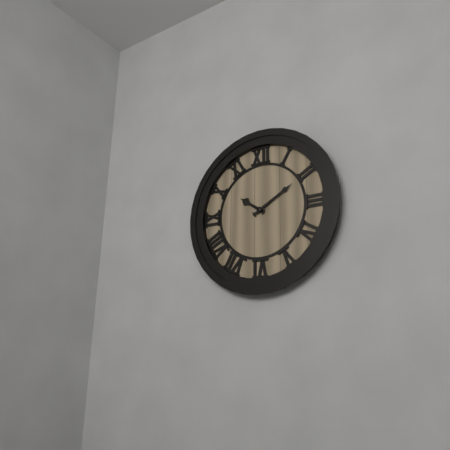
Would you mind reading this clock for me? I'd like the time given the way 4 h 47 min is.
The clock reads 10 h 10 min
